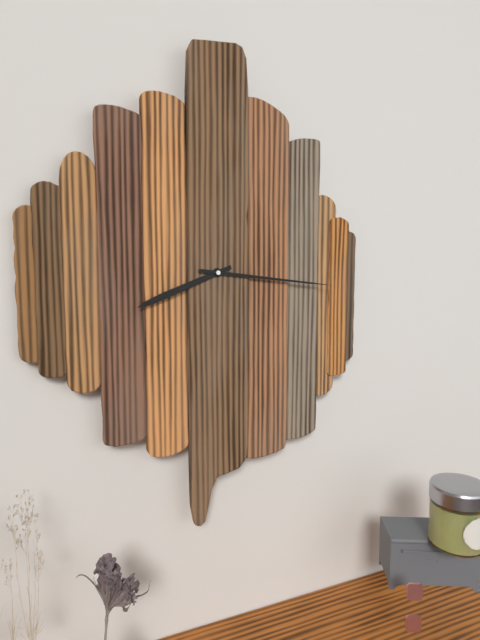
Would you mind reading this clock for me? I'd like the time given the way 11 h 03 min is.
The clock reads 8 h 16 min
